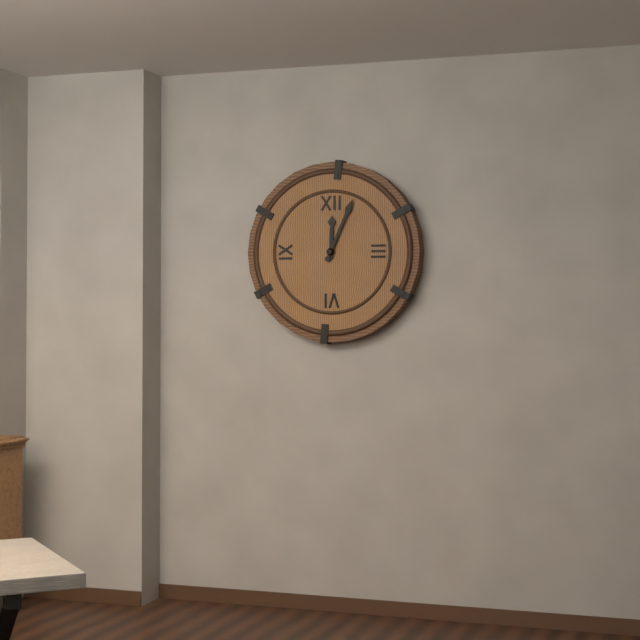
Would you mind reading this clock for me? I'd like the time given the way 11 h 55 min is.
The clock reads 12 h 04 min
